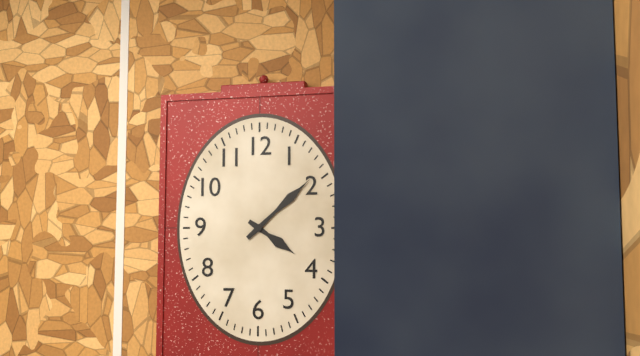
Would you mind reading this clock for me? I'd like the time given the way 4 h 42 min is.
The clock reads 4 h 08 min
